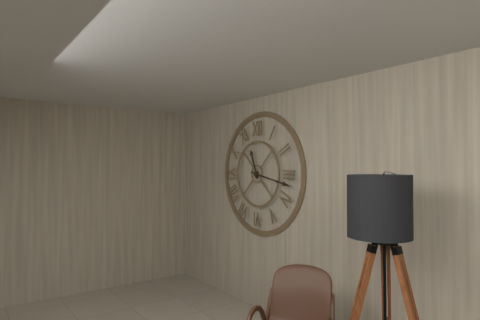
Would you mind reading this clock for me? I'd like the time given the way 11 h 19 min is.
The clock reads 11 h 17 min
